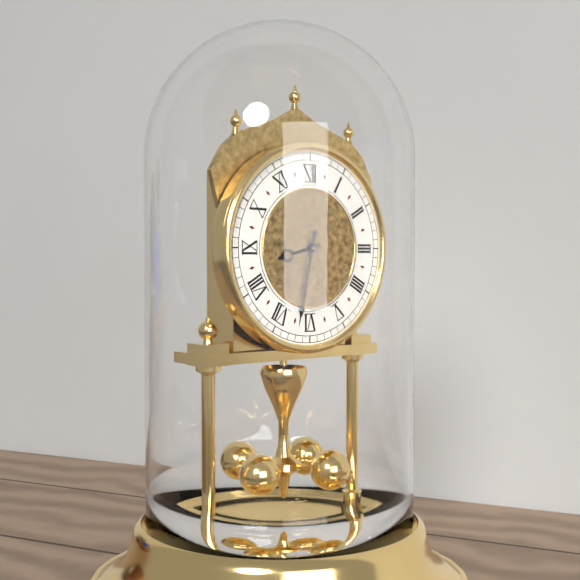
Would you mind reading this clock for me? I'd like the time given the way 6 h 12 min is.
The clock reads 8 h 32 min
